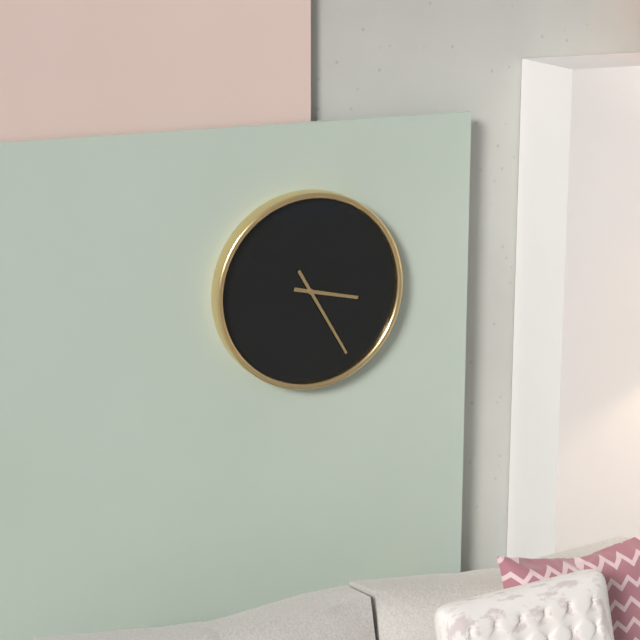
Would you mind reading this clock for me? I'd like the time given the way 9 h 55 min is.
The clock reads 3 h 25 min
